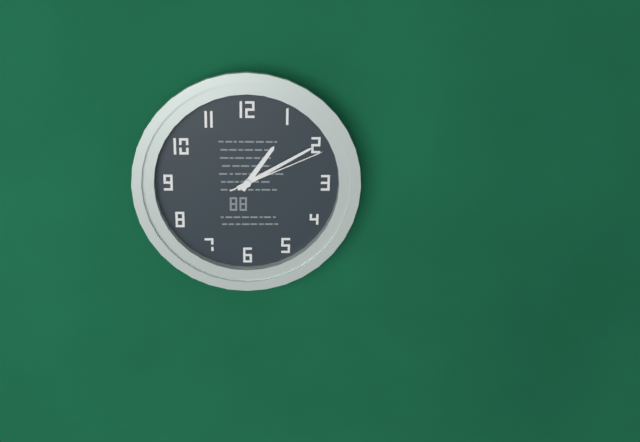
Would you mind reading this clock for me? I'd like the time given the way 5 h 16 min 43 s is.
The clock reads 1 h 10 min 11 s
